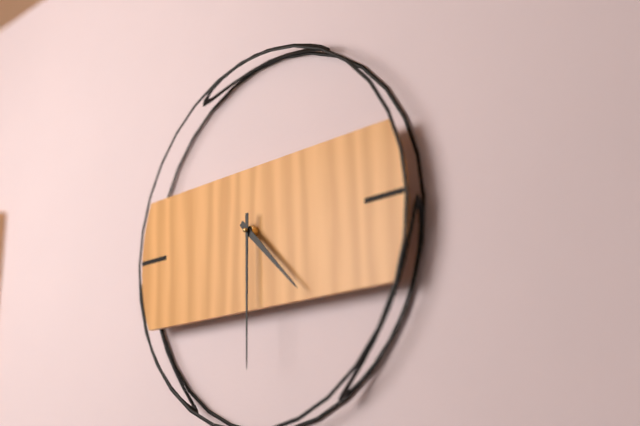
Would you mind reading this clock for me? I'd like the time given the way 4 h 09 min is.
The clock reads 4 h 30 min
